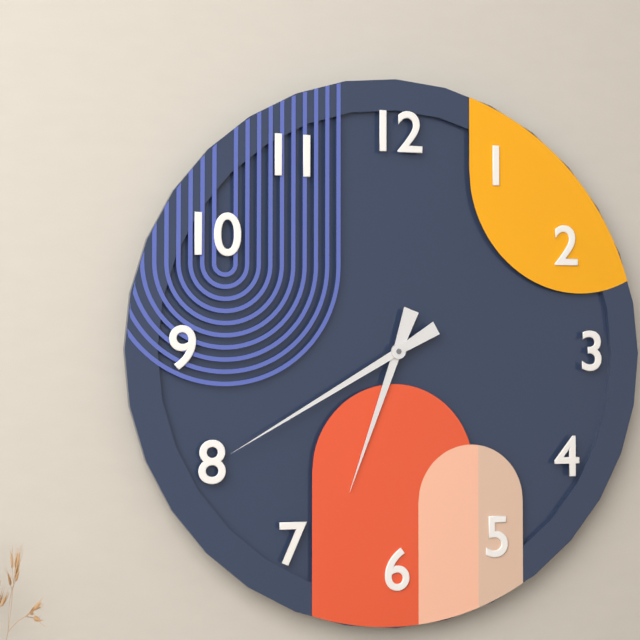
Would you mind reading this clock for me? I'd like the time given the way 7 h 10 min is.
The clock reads 6 h 40 min
